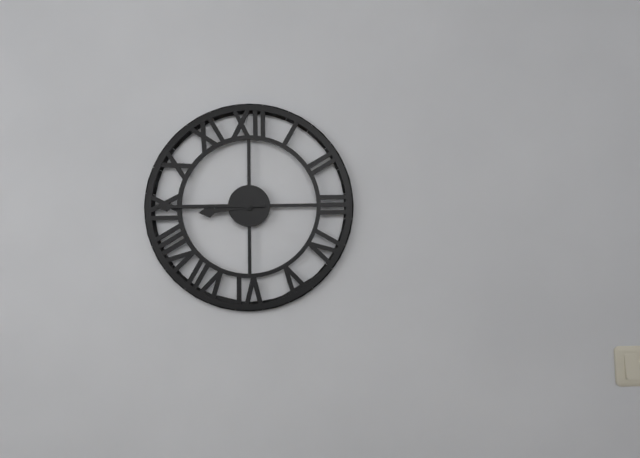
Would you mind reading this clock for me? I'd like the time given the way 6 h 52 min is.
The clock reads 8 h 45 min
